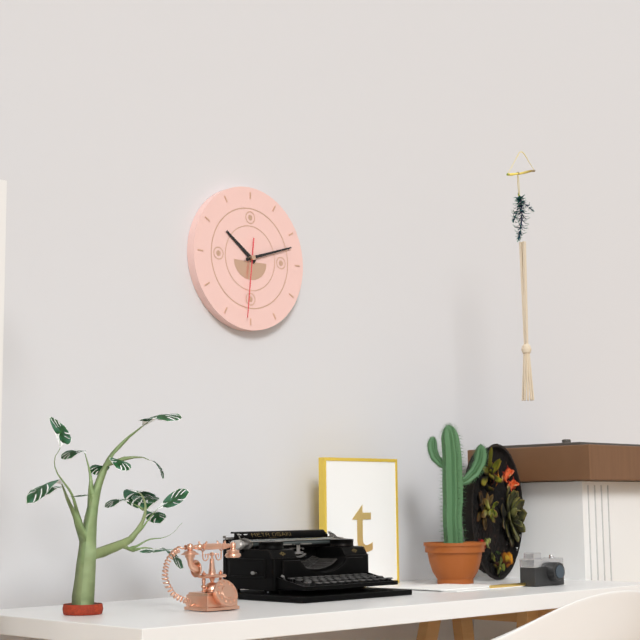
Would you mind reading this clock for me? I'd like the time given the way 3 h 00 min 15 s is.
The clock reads 10 h 12 min 31 s
